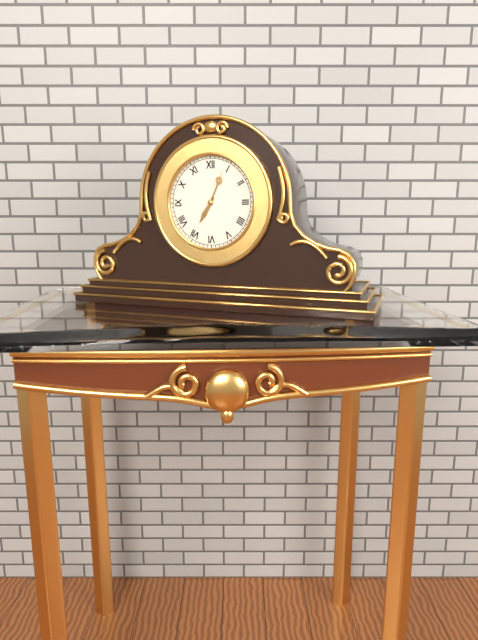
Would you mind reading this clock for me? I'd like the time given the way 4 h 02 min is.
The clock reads 7 h 04 min
